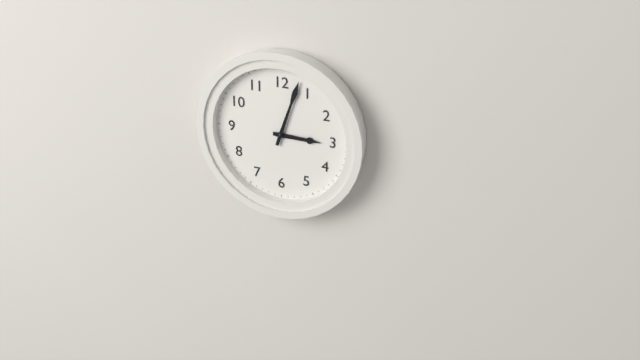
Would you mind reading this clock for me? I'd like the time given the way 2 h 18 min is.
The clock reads 3 h 03 min
